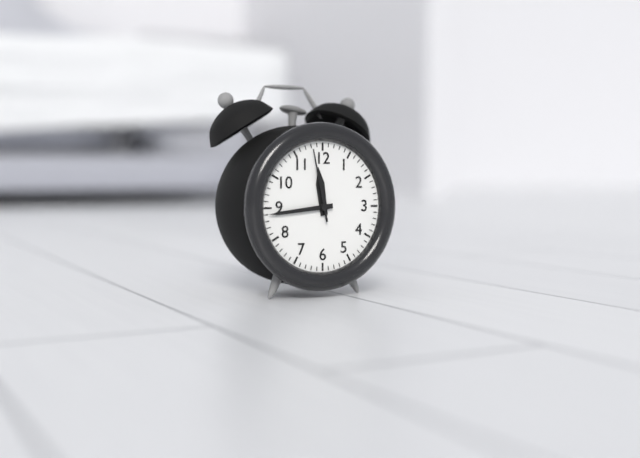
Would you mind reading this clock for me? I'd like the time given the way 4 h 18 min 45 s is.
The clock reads 11 h 44 min 58 s
